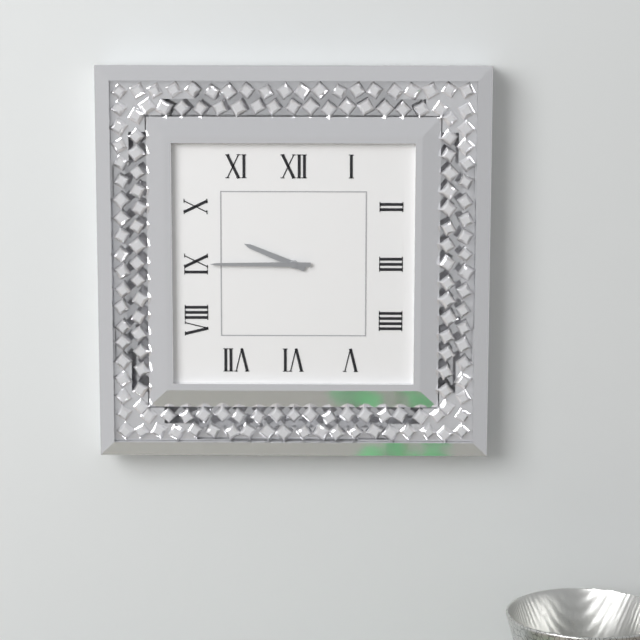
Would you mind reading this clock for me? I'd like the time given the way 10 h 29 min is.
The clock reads 9 h 45 min
